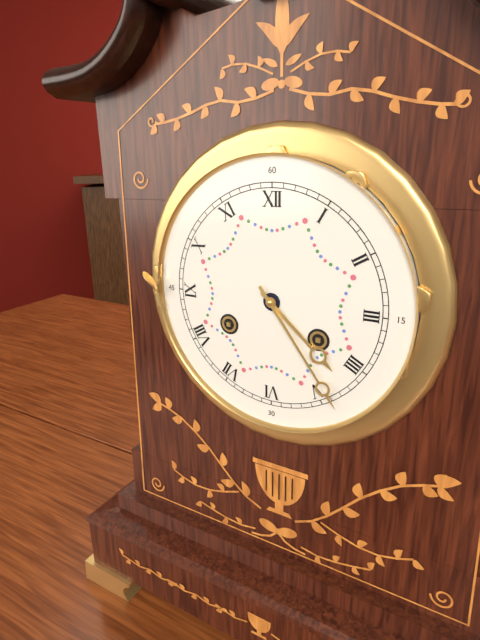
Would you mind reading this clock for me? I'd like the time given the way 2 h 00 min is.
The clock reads 4 h 24 min
